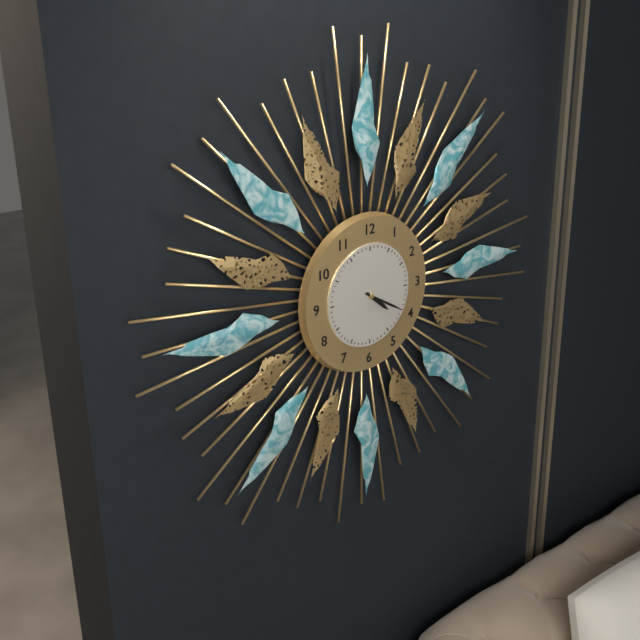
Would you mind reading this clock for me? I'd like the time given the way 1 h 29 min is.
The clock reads 4 h 20 min
